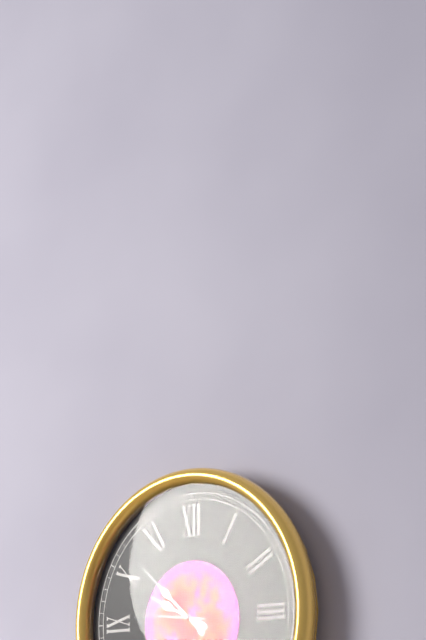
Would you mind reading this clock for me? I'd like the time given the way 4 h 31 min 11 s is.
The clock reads 9 h 52 min 46 s
